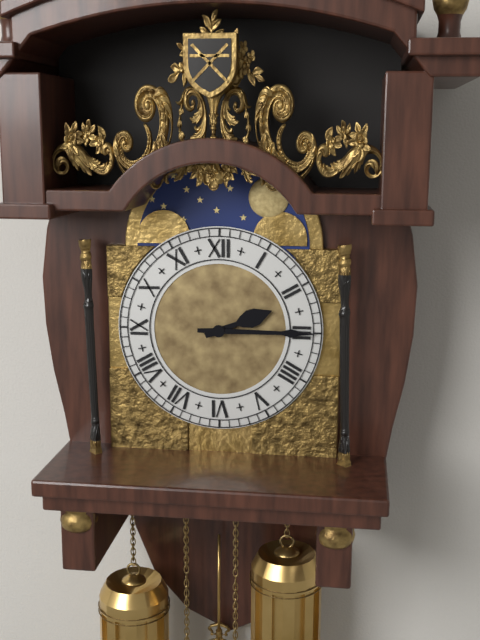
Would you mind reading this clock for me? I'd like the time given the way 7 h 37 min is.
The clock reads 2 h 15 min
